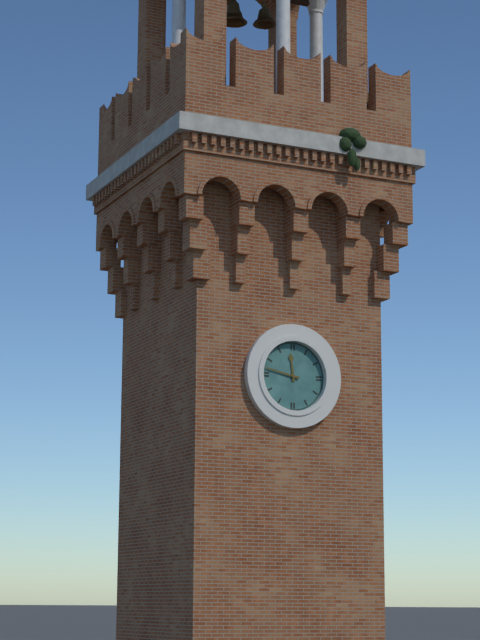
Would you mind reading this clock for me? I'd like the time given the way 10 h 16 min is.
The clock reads 11 h 47 min
